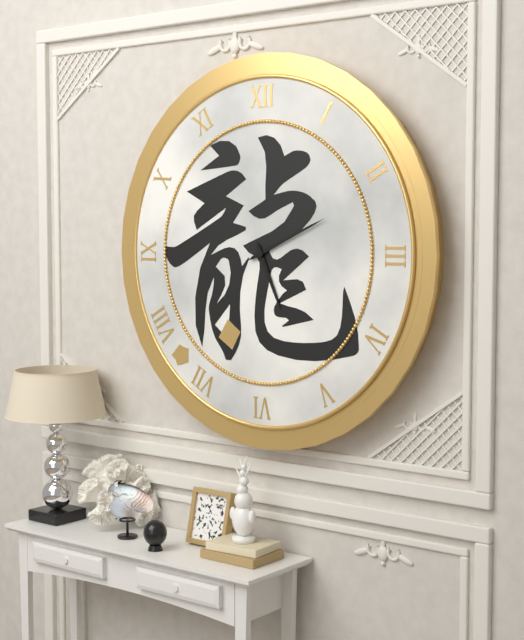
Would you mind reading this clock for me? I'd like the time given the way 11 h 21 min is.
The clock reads 5 h 11 min
